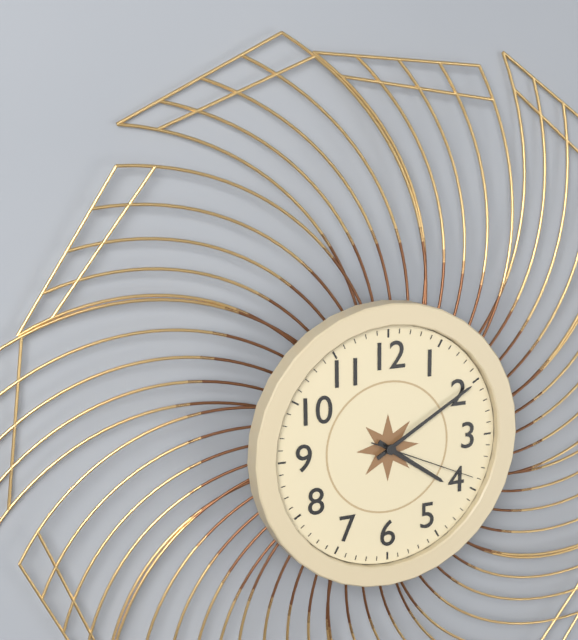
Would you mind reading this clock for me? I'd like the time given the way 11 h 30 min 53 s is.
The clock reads 4 h 10 min 19 s
